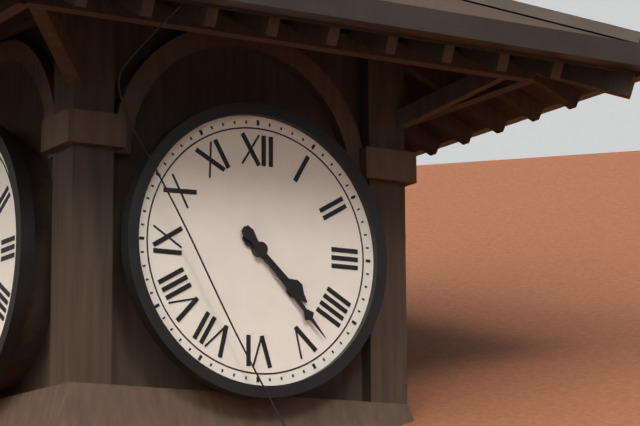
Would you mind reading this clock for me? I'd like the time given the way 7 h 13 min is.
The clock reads 4 h 23 min
